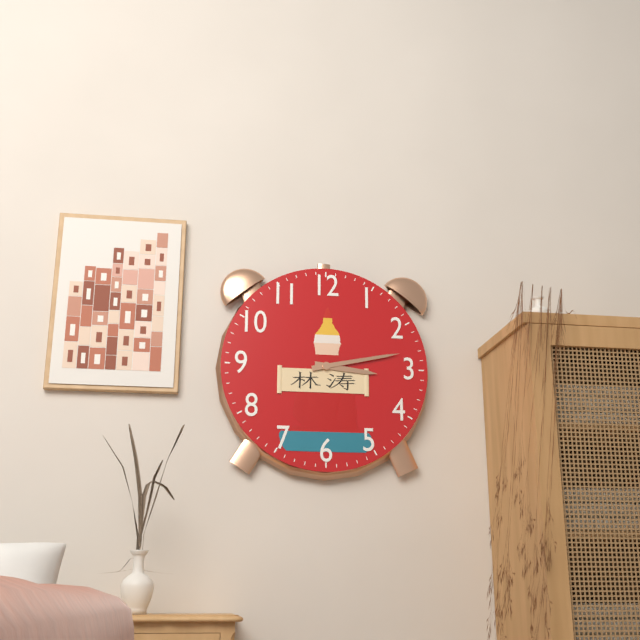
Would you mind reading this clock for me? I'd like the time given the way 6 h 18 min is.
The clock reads 3 h 13 min
